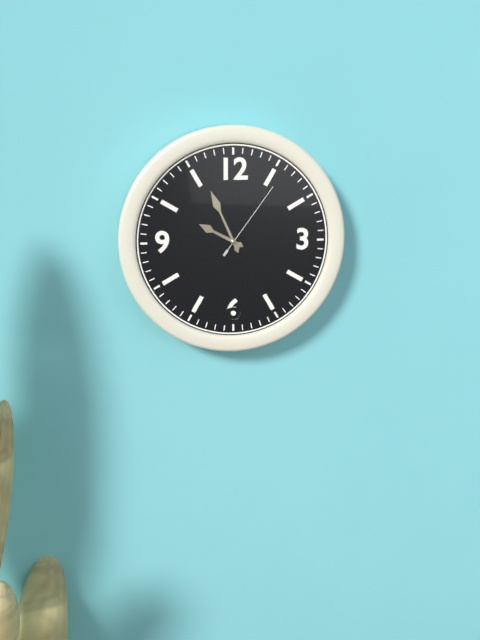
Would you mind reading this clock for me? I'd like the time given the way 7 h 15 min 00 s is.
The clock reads 9 h 56 min 06 s
